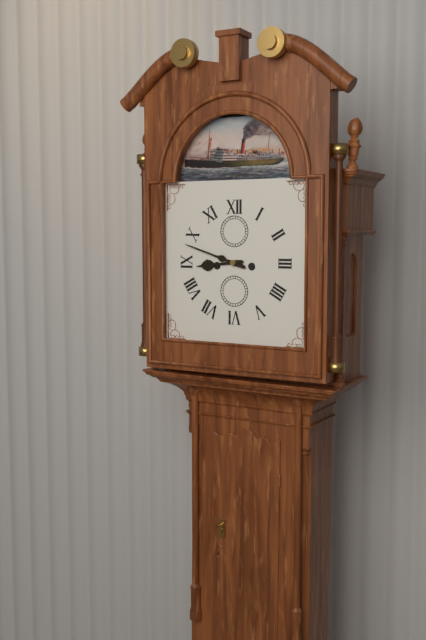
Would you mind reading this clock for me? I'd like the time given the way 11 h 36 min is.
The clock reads 8 h 48 min
